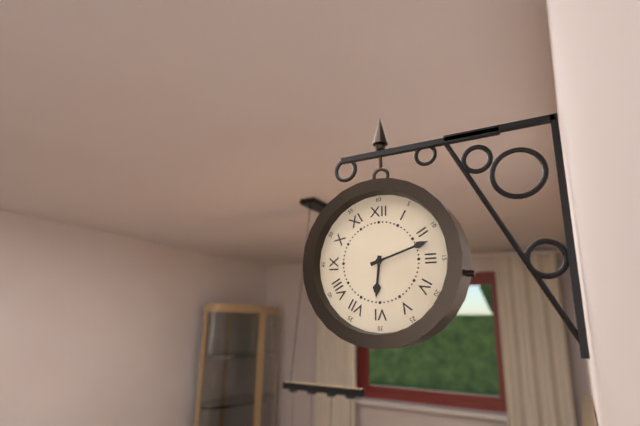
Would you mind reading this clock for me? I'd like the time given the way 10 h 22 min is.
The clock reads 6 h 12 min
